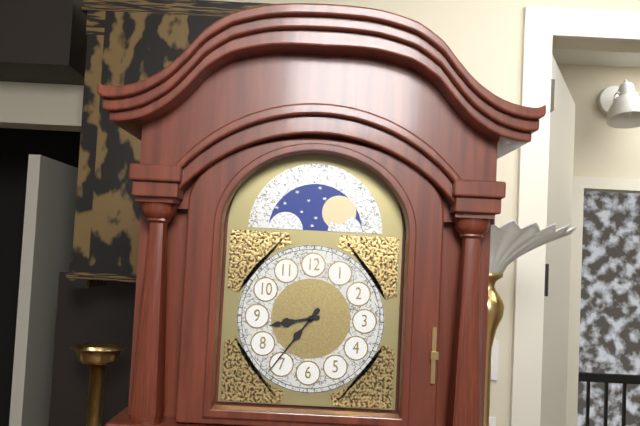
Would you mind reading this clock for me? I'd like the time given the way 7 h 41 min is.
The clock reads 8 h 36 min
